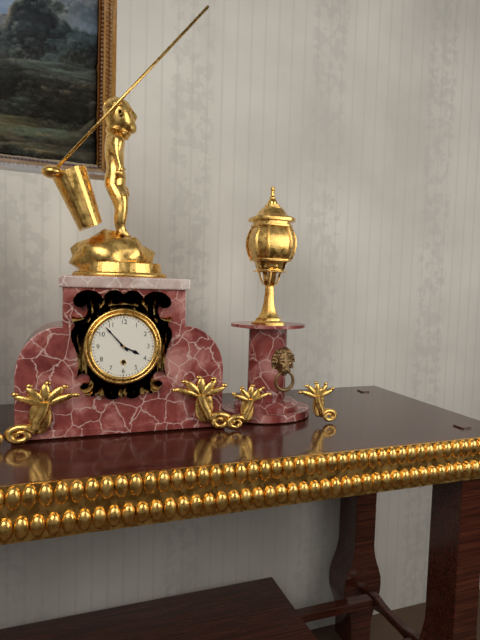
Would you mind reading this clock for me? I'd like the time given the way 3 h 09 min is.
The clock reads 3 h 53 min
